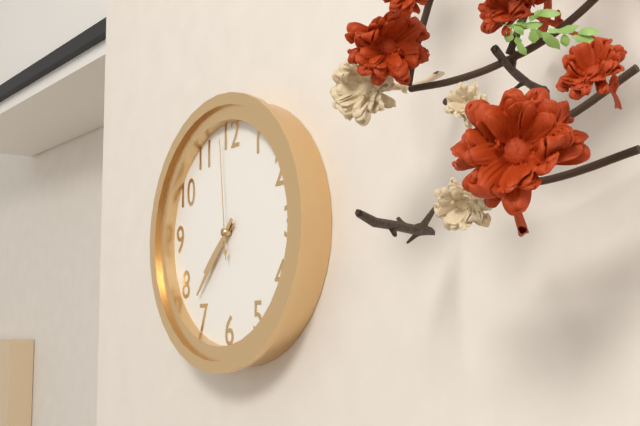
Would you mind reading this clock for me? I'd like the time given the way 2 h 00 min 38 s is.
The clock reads 7 h 37 min 59 s
